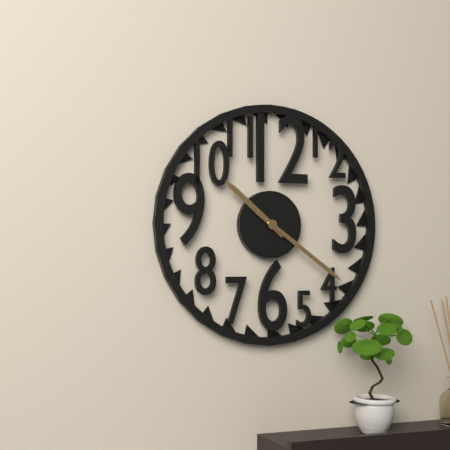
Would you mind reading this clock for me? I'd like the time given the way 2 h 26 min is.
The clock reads 10 h 21 min
